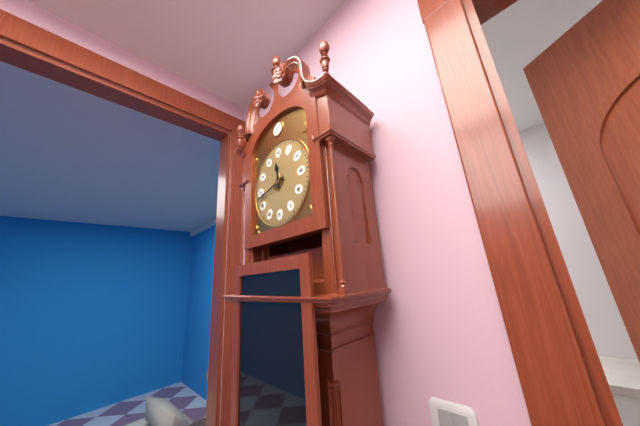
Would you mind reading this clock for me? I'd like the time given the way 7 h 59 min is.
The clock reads 11 h 43 min
